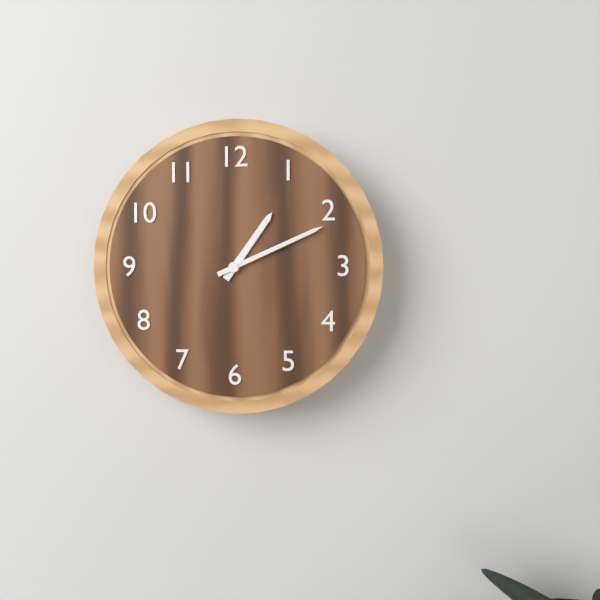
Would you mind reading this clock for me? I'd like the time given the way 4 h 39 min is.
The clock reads 1 h 11 min
